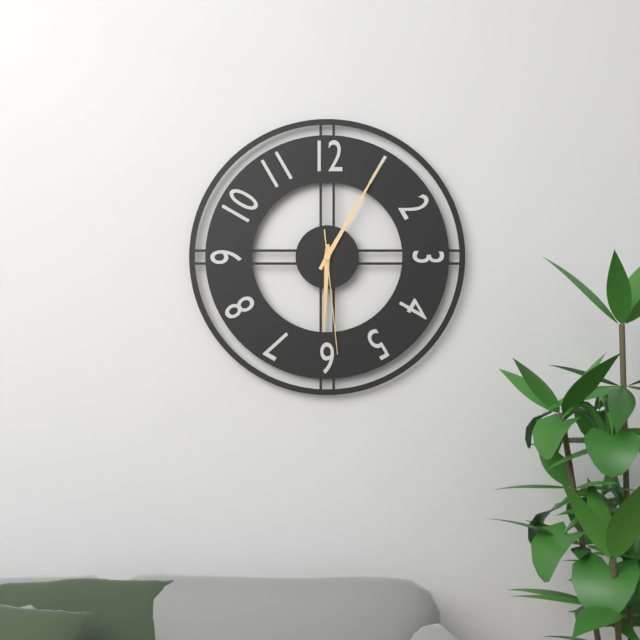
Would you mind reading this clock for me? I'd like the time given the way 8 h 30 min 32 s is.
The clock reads 6 h 05 min 29 s
